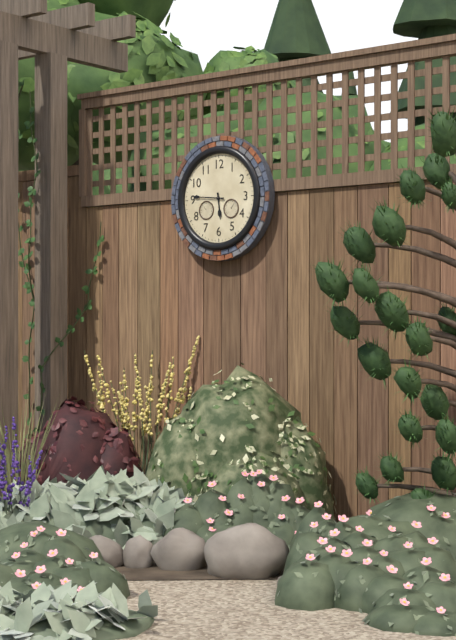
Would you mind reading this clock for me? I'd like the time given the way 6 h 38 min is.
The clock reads 5 h 46 min
